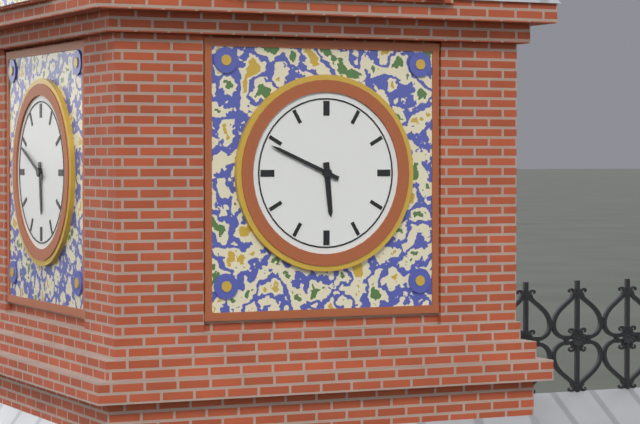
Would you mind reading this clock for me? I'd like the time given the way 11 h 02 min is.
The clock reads 5 h 49 min
